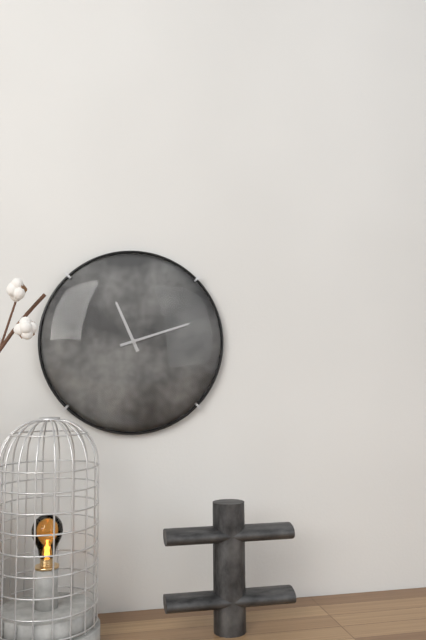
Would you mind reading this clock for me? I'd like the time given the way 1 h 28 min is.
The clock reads 11 h 12 min
